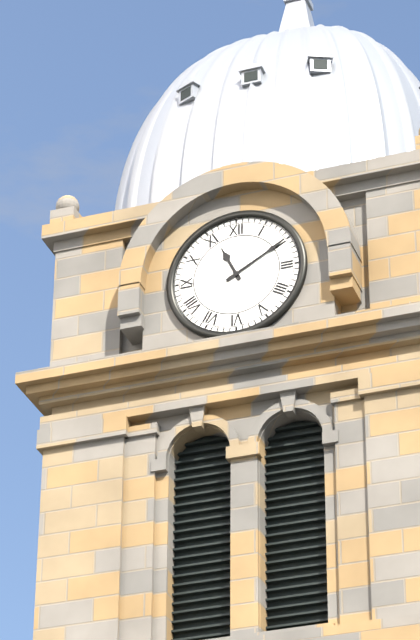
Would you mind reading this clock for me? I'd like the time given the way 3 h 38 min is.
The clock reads 11 h 10 min
